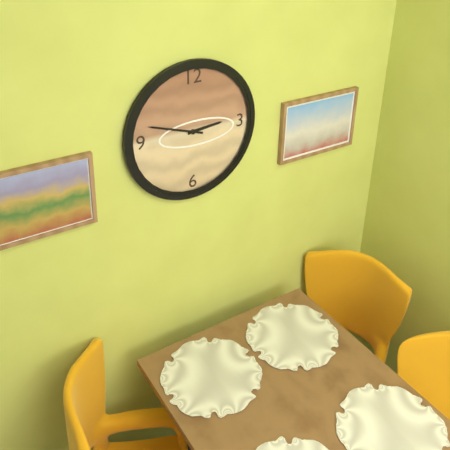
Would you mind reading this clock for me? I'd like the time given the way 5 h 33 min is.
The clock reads 2 h 48 min
